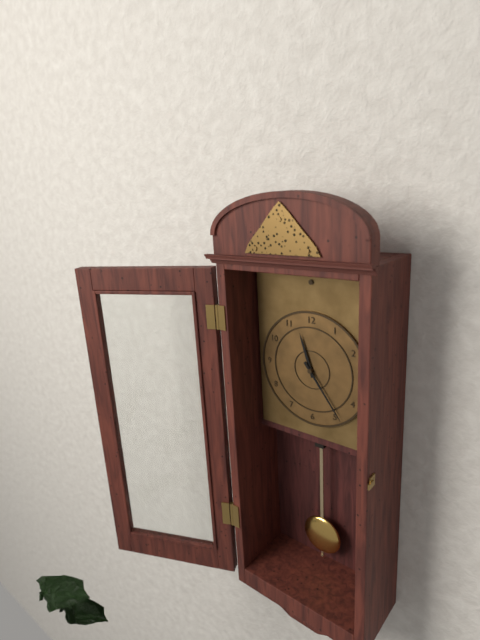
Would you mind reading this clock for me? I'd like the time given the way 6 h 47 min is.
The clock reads 11 h 24 min
